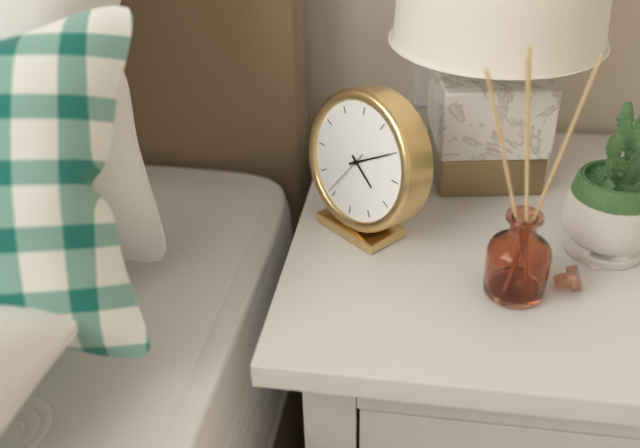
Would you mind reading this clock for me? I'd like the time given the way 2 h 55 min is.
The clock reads 4 h 10 min
